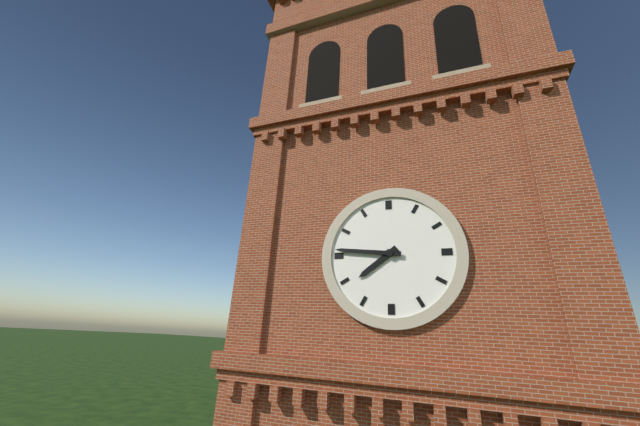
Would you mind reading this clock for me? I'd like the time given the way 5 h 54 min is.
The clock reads 7 h 46 min
